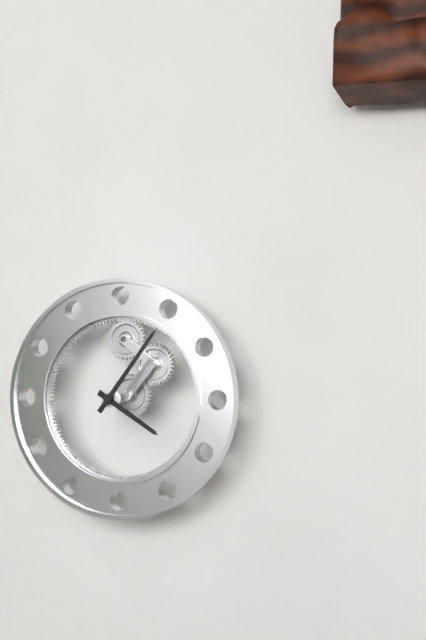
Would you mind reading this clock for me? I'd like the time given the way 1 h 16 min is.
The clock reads 4 h 06 min
